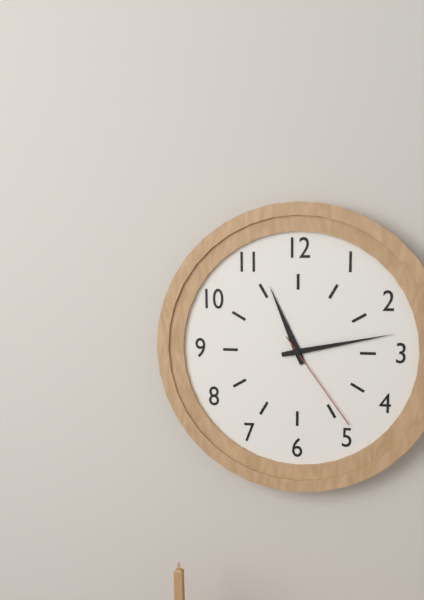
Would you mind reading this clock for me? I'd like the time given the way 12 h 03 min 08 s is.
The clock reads 11 h 13 min 24 s
